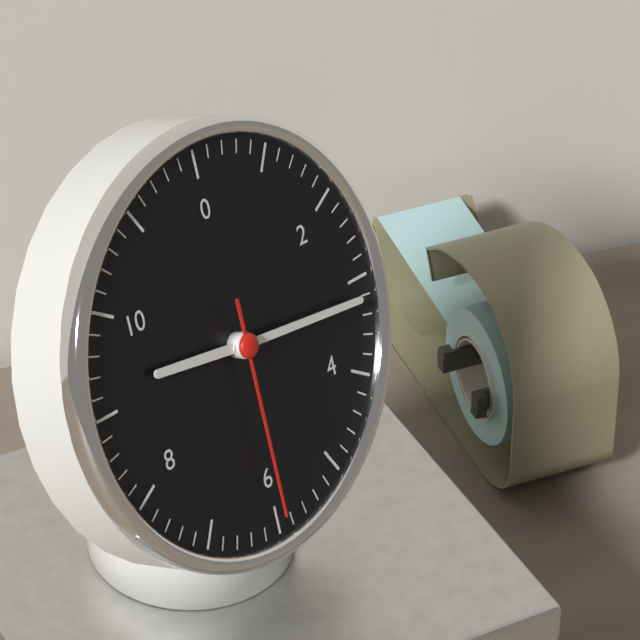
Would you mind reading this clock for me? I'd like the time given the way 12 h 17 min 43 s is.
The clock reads 9 h 16 min 30 s
